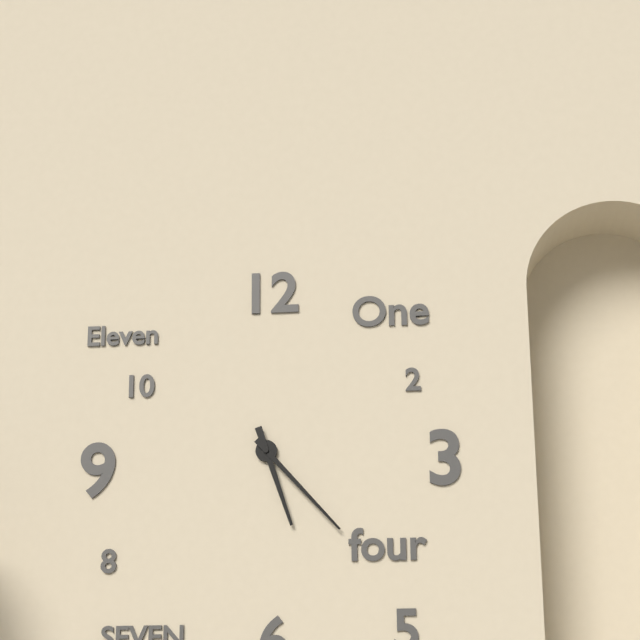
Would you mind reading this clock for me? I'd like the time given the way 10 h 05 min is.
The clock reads 5 h 23 min
